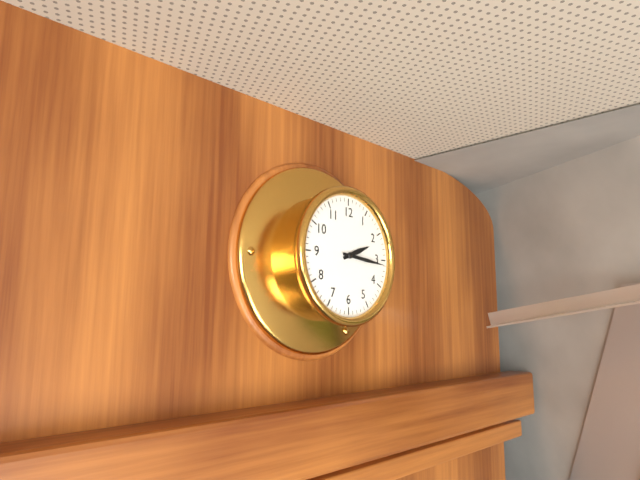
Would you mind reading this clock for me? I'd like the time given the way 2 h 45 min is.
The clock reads 2 h 16 min
